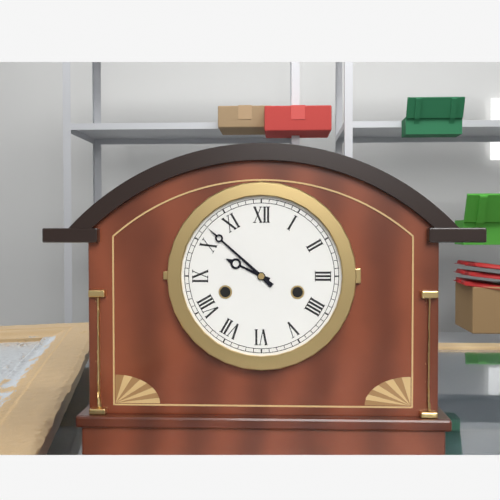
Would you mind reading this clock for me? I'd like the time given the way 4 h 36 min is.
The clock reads 9 h 52 min
